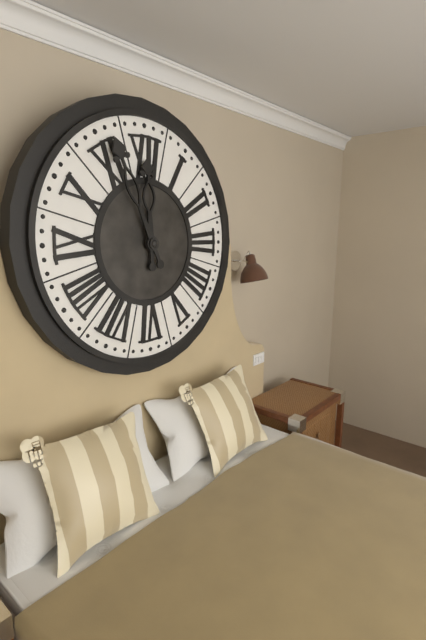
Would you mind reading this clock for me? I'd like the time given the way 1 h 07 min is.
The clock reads 11 h 56 min
